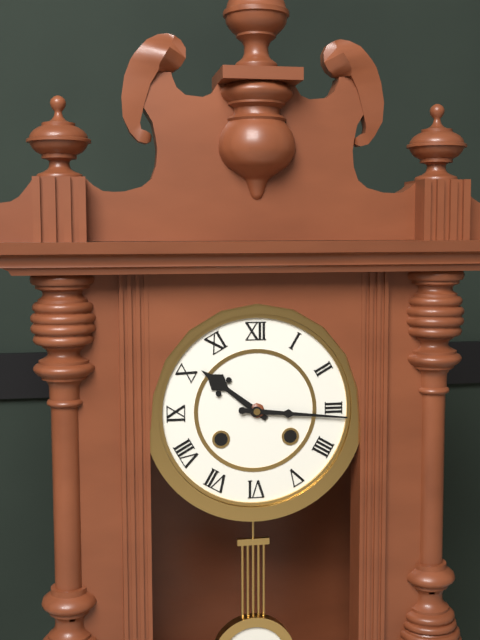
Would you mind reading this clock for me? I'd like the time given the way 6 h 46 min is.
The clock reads 10 h 16 min
